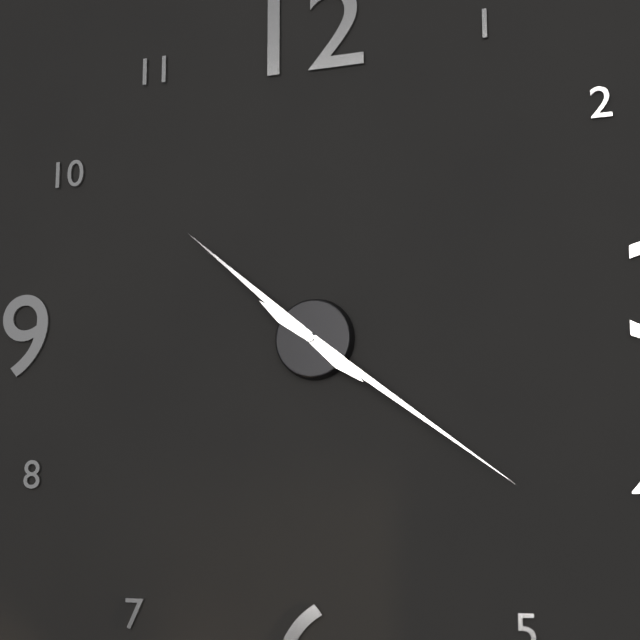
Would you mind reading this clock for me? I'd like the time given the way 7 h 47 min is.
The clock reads 10 h 21 min
